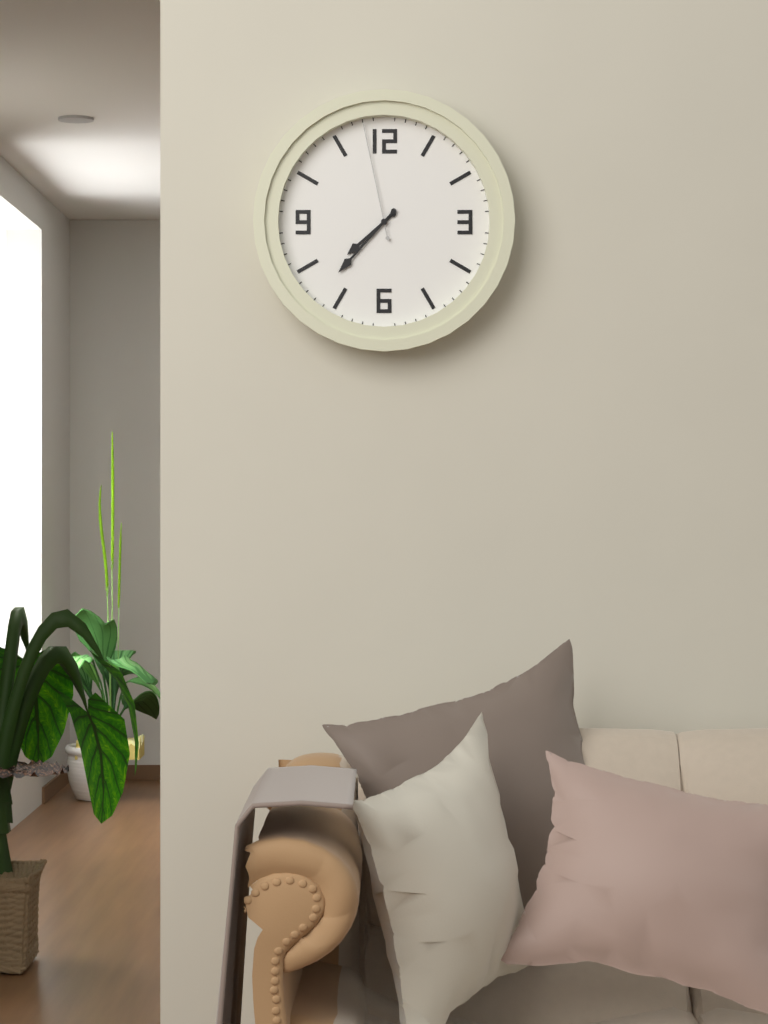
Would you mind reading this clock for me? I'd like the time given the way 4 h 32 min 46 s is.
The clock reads 7 h 37 min 58 s
